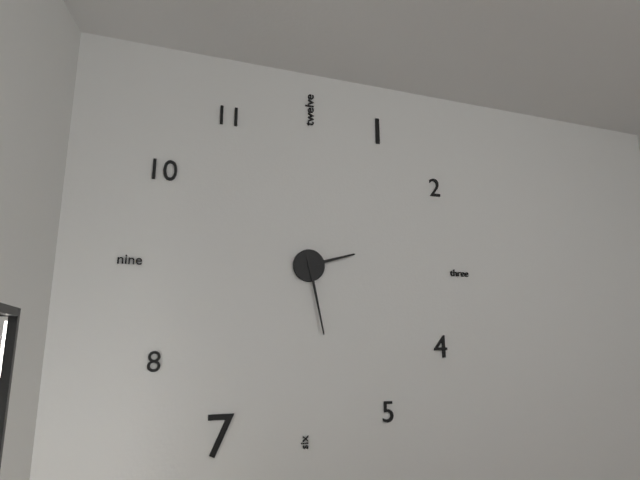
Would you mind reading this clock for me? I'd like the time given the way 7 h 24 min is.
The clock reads 2 h 28 min
